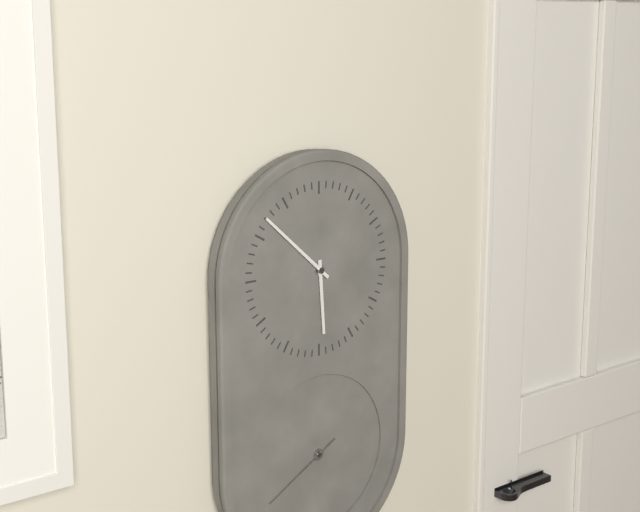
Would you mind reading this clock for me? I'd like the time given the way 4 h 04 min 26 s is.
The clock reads 5 h 52 min 40 s
